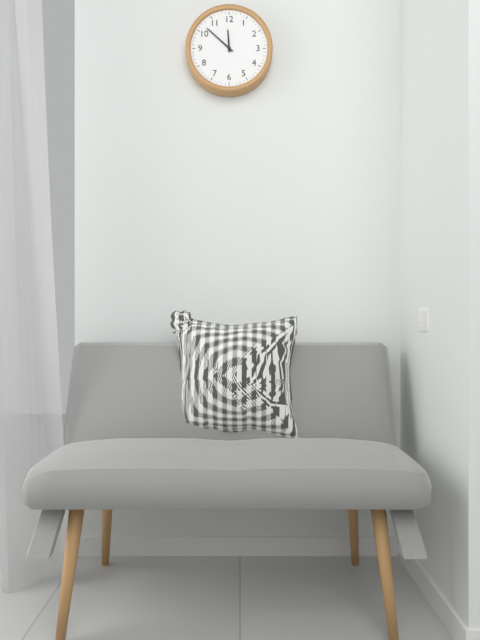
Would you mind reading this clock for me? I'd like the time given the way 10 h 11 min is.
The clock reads 11 h 52 min
